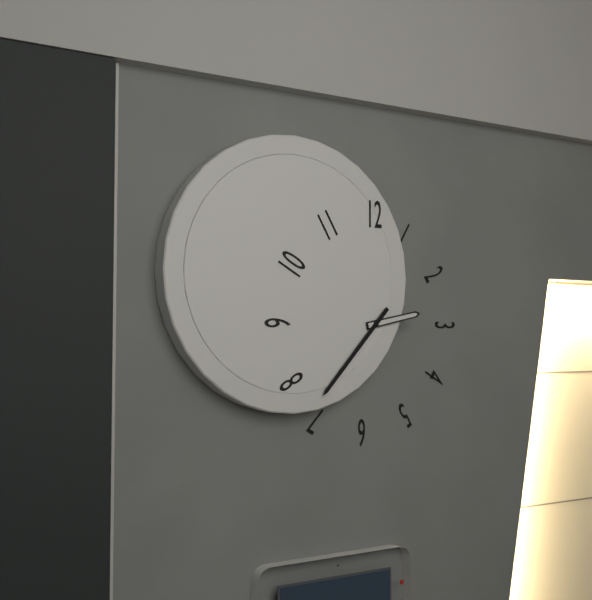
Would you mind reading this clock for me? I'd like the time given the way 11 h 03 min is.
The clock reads 2 h 37 min
